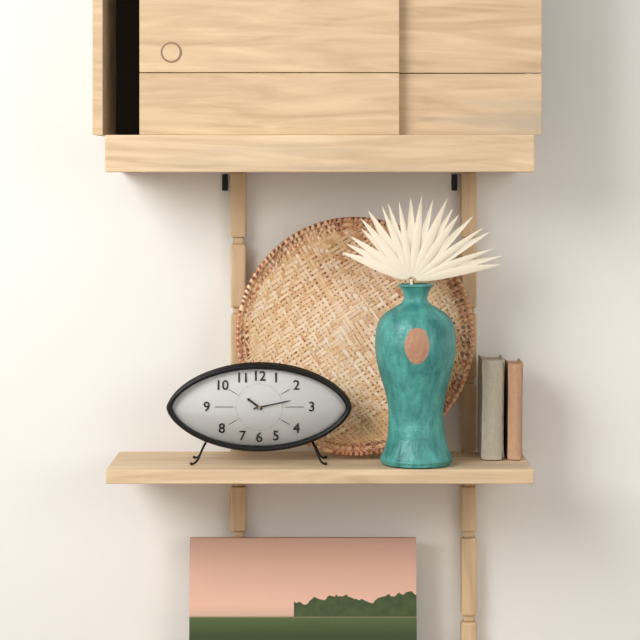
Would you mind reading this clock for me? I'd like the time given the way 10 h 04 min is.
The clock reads 10 h 13 min
